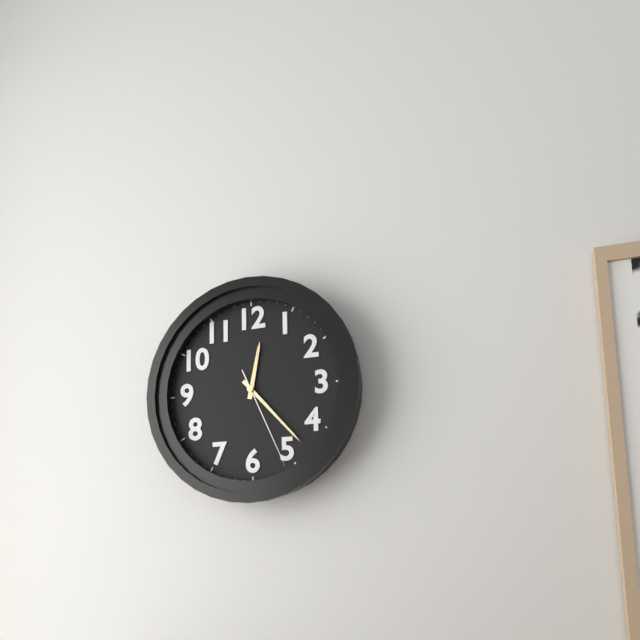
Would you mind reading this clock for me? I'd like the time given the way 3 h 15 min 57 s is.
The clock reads 12 h 23 min 26 s
